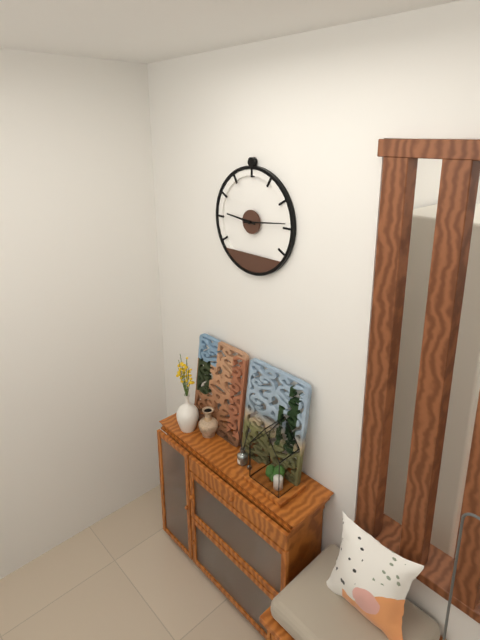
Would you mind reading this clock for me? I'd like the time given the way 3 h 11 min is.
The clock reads 9 h 14 min
